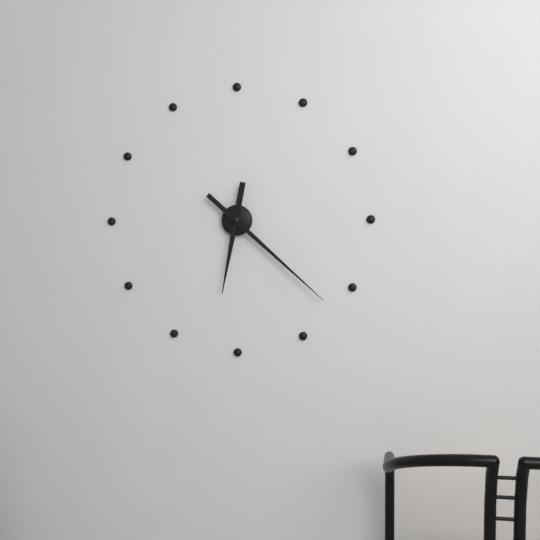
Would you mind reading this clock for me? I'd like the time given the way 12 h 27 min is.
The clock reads 6 h 22 min
